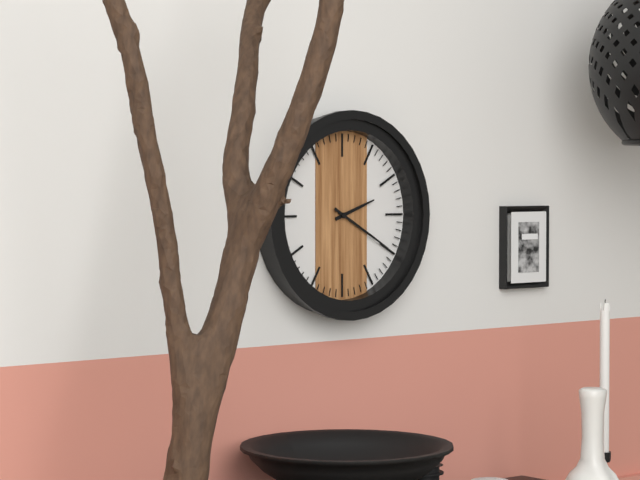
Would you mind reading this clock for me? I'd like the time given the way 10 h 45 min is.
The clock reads 2 h 20 min
